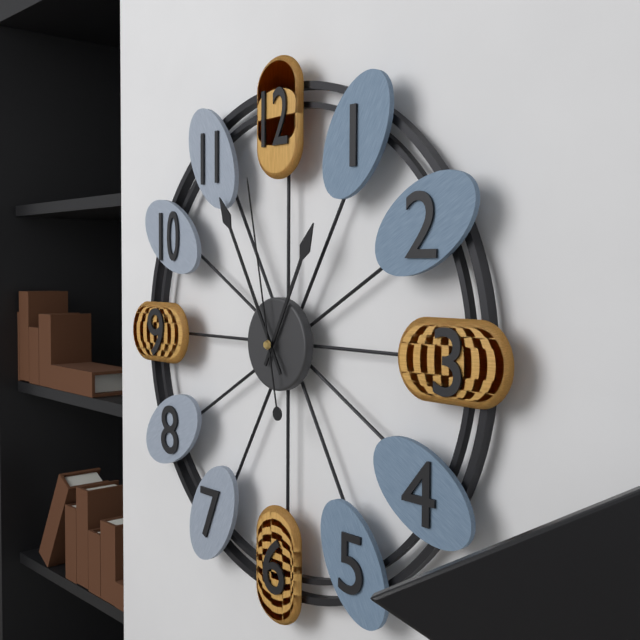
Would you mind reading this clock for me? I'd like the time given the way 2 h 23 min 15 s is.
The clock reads 12 h 55 min 58 s
